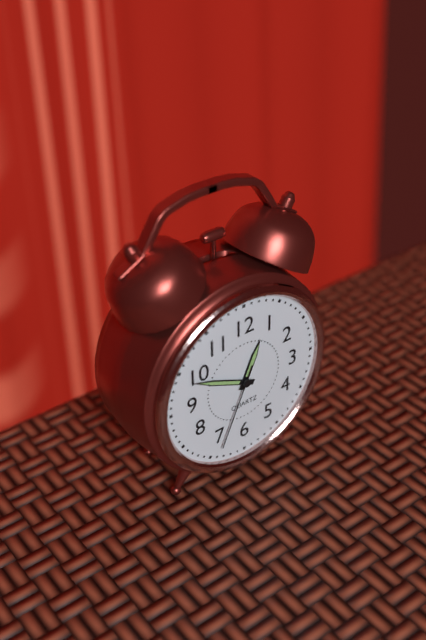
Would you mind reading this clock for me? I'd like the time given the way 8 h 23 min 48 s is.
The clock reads 12 h 49 min 34 s
